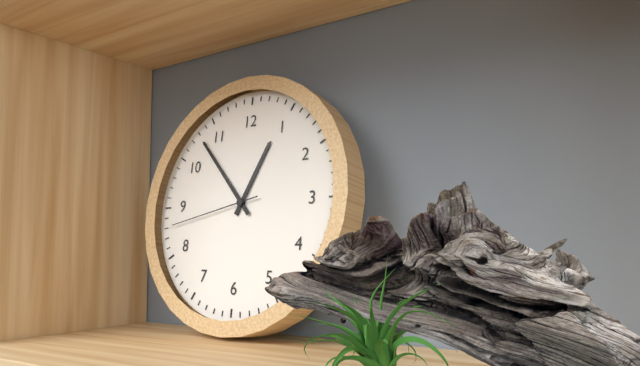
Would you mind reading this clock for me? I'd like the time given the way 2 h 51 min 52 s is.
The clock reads 12 h 53 min 43 s
